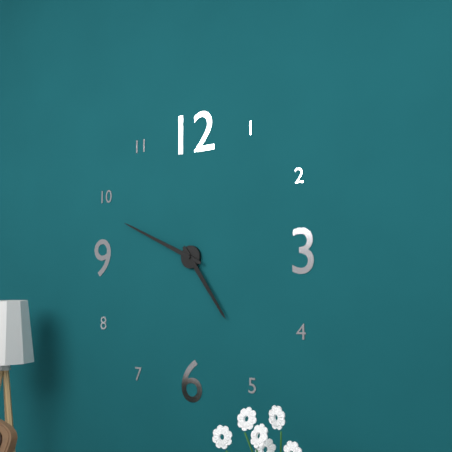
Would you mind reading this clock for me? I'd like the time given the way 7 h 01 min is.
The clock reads 4 h 49 min
